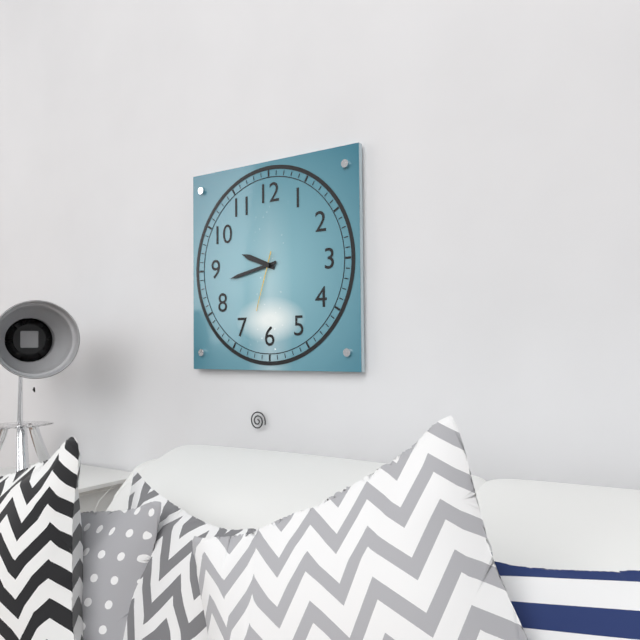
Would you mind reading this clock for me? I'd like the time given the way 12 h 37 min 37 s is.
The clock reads 9 h 43 min 33 s
